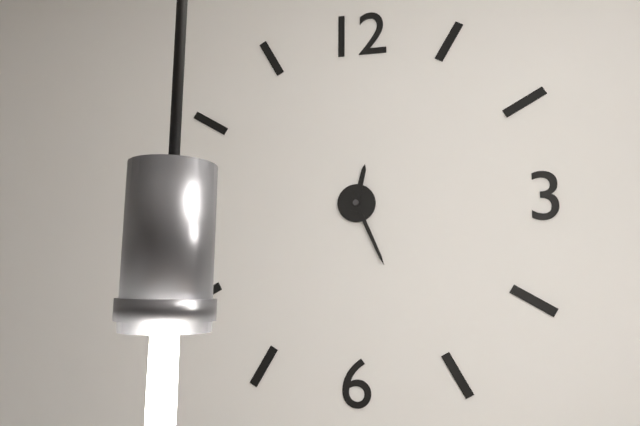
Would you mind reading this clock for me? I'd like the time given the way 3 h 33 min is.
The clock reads 12 h 26 min
